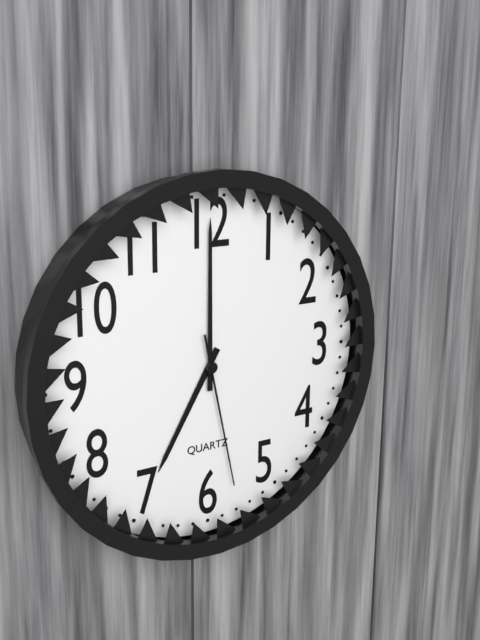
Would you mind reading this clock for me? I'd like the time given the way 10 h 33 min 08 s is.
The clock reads 7 h 00 min 28 s
